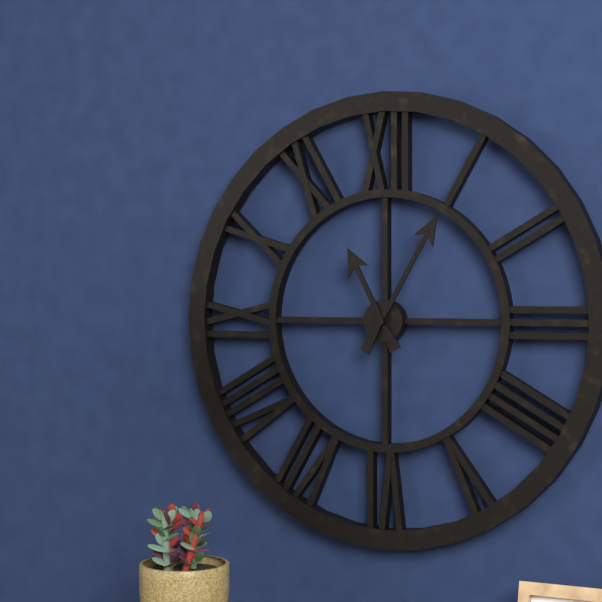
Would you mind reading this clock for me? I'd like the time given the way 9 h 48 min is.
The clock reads 11 h 05 min
